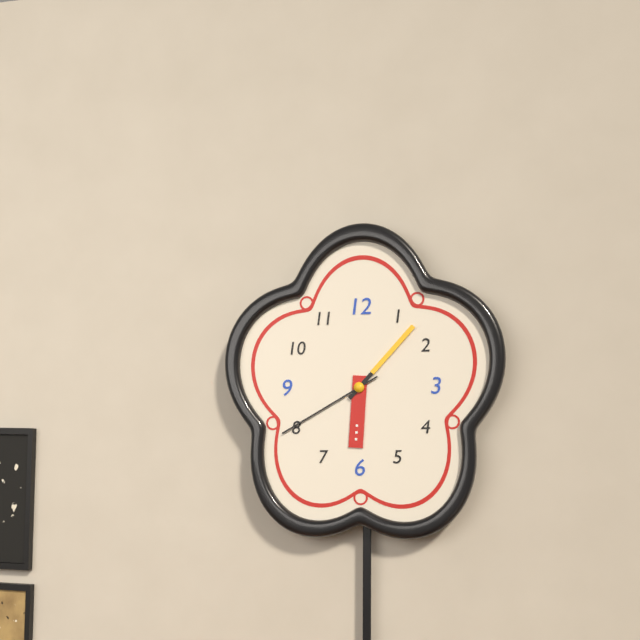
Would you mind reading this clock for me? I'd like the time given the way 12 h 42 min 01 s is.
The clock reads 6 h 07 min 40 s
